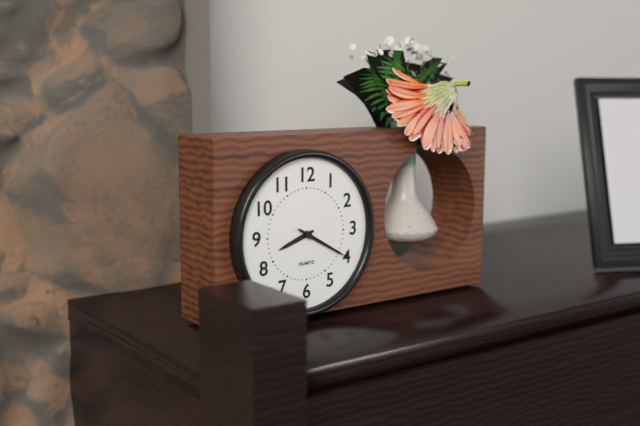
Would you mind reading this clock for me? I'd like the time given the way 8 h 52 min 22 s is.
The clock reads 8 h 20 min 20 s
